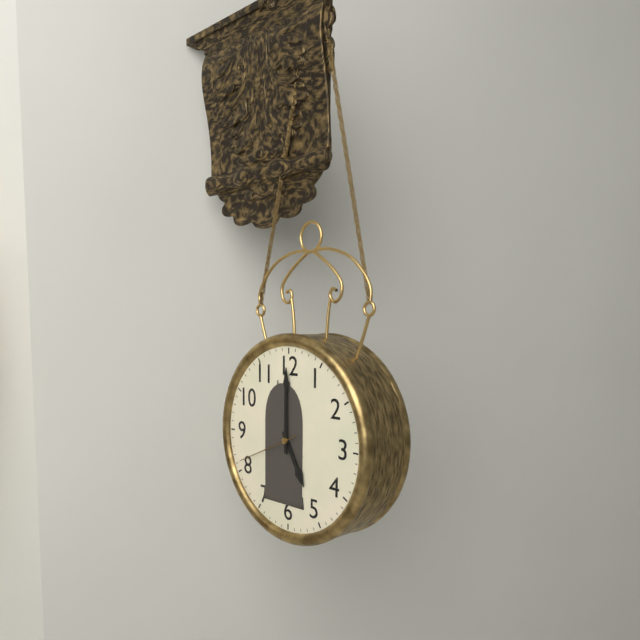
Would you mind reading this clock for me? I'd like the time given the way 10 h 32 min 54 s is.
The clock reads 5 h 00 min 41 s
